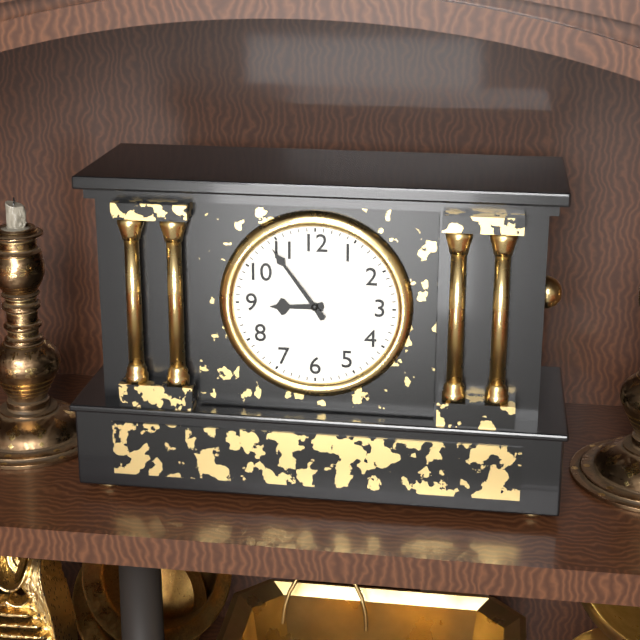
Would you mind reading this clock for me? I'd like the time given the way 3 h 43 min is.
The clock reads 8 h 54 min
